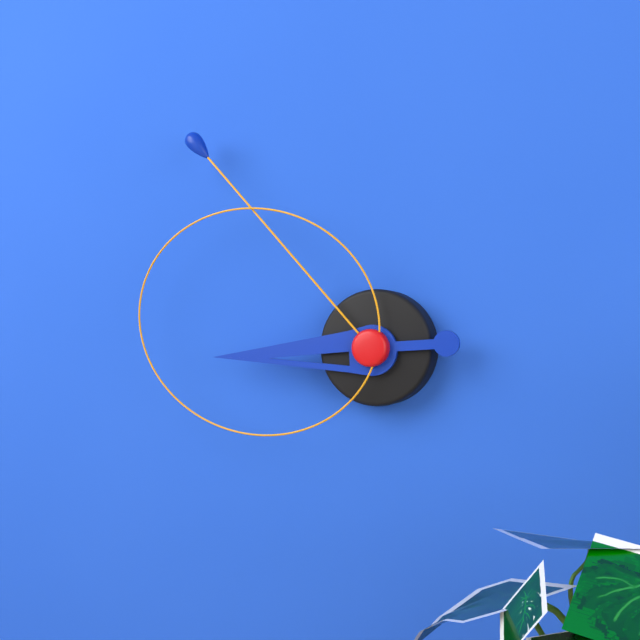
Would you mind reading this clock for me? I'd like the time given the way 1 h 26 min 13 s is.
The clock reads 8 h 53 min 47 s
